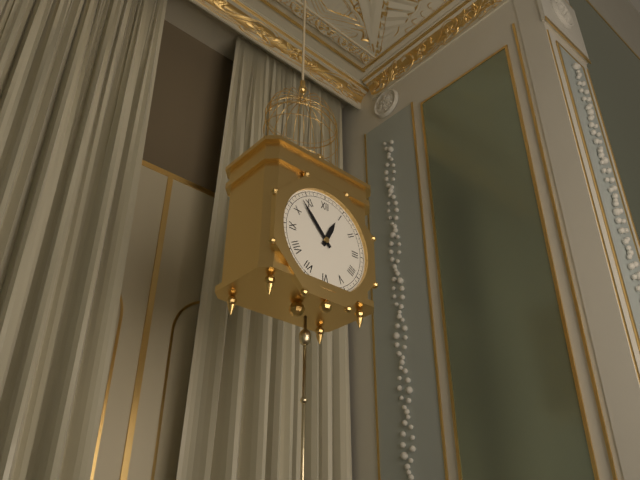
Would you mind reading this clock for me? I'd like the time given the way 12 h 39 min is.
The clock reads 12 h 53 min
